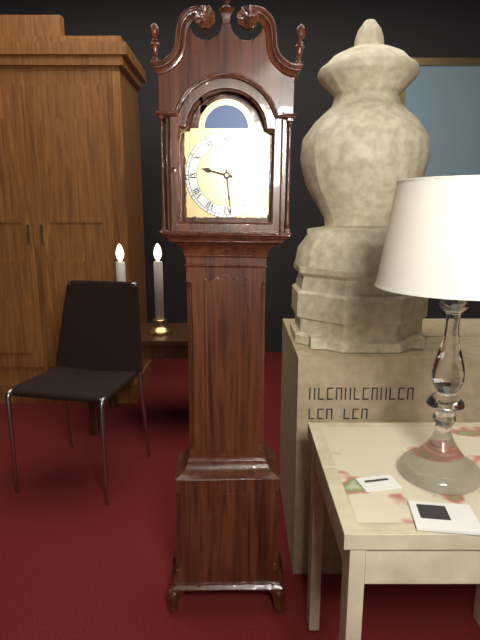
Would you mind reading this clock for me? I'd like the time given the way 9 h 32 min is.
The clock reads 9 h 29 min
